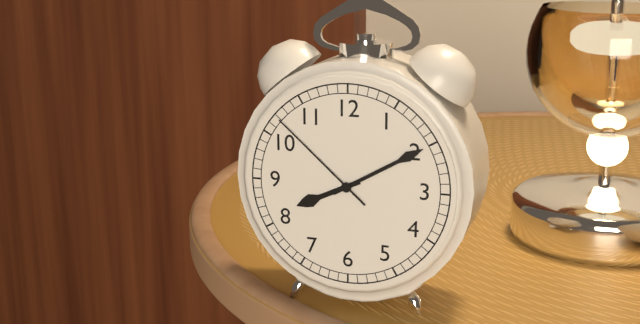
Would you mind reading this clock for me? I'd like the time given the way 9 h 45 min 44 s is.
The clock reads 8 h 10 min 52 s
